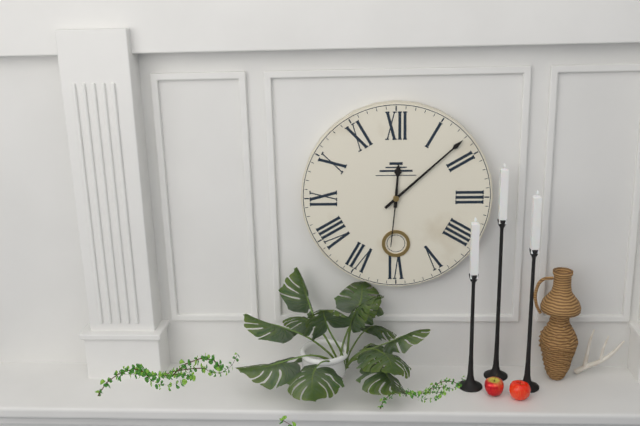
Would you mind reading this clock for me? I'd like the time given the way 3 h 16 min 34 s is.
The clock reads 12 h 08 min 31 s
